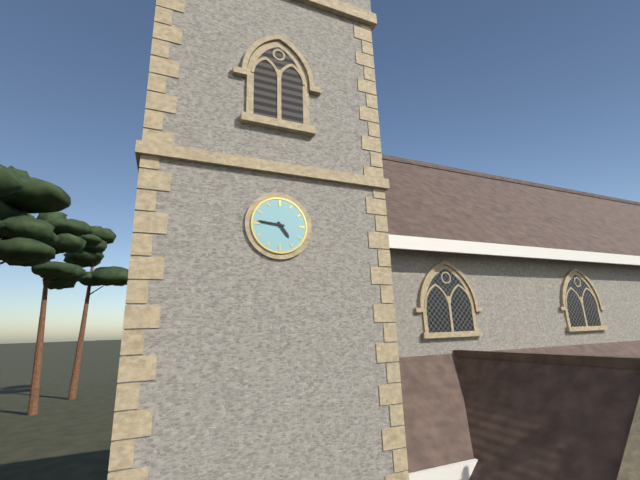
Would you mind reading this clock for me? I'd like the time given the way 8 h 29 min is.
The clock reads 4 h 46 min
